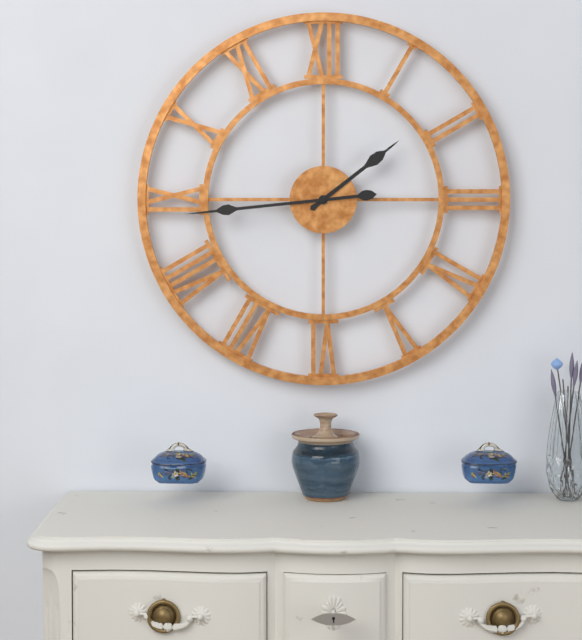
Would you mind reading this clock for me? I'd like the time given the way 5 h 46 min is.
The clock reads 1 h 44 min
